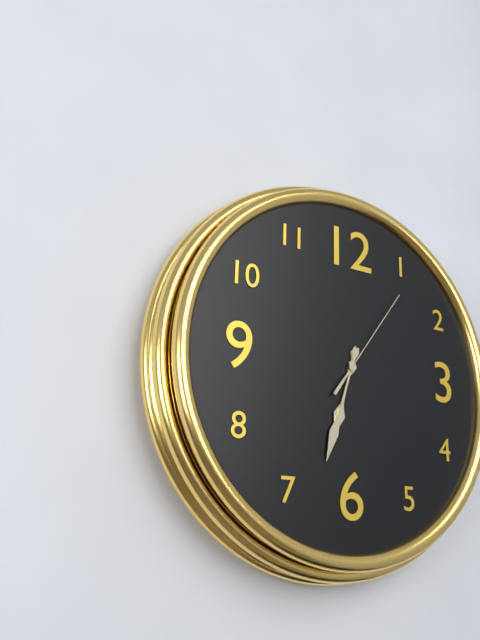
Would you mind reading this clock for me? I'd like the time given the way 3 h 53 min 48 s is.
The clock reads 6 h 33 min 06 s
